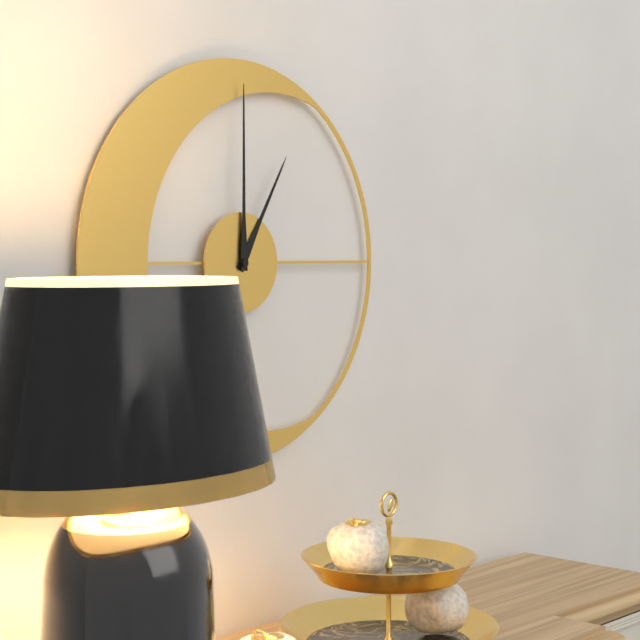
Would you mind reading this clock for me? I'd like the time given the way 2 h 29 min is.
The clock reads 1 h 00 min
